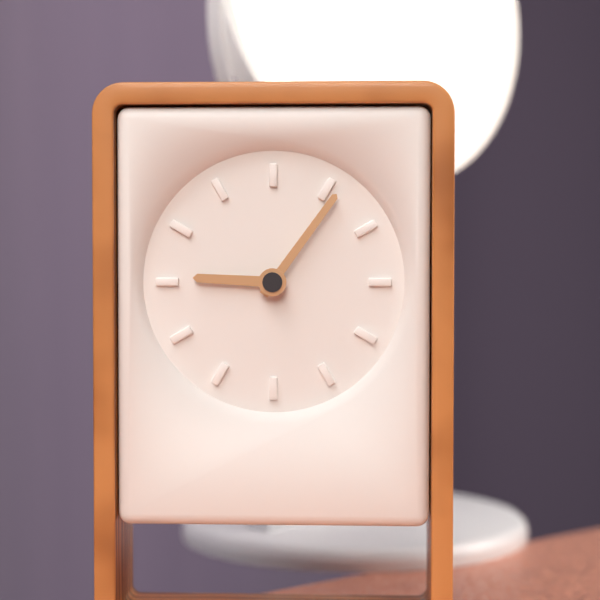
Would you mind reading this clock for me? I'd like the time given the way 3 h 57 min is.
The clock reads 9 h 06 min
